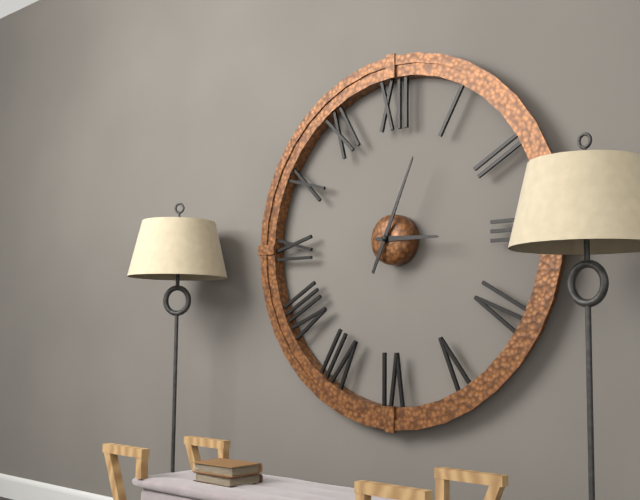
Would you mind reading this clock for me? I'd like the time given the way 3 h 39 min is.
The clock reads 3 h 04 min
